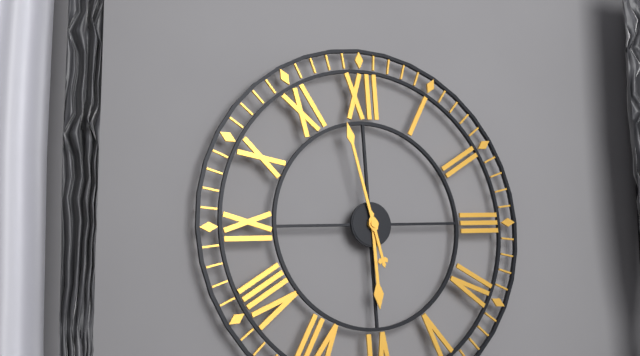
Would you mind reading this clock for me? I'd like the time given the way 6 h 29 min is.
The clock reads 5 h 58 min
